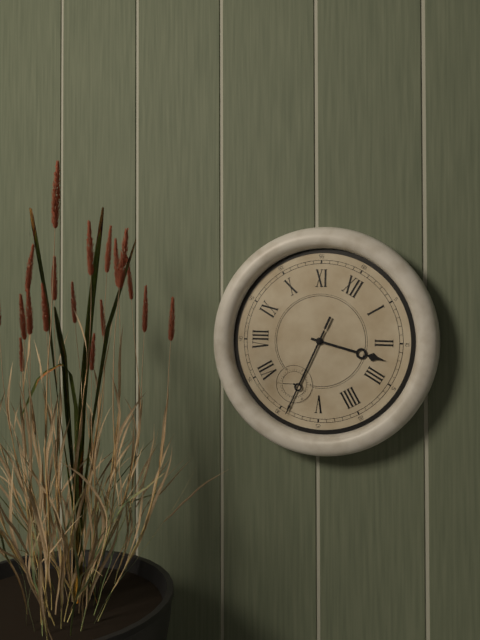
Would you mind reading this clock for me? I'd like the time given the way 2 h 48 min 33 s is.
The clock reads 2 h 29 min 29 s
